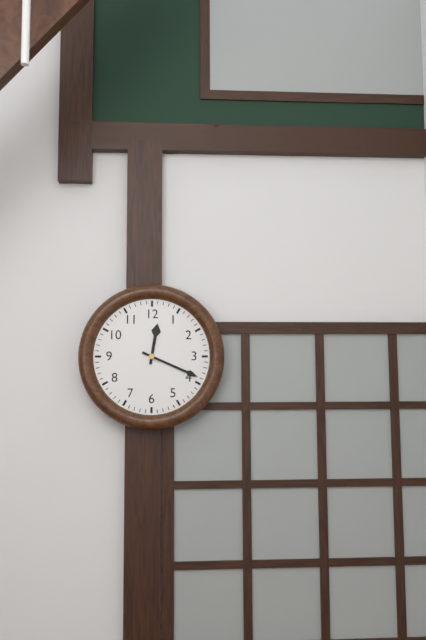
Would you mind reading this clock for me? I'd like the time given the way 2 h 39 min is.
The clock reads 12 h 19 min
